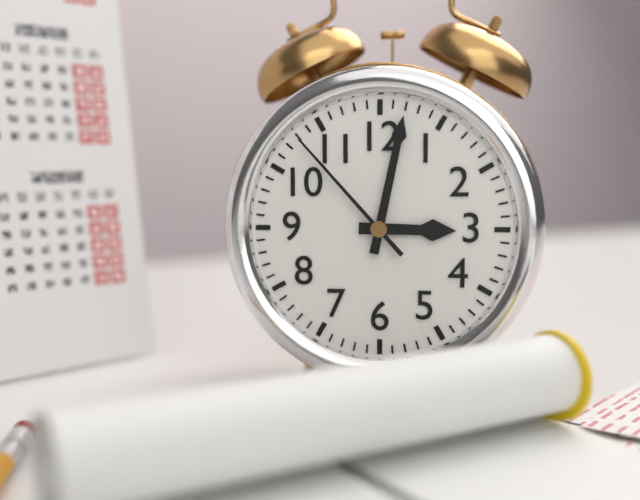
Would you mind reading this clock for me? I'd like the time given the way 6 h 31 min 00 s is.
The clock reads 3 h 02 min 53 s
